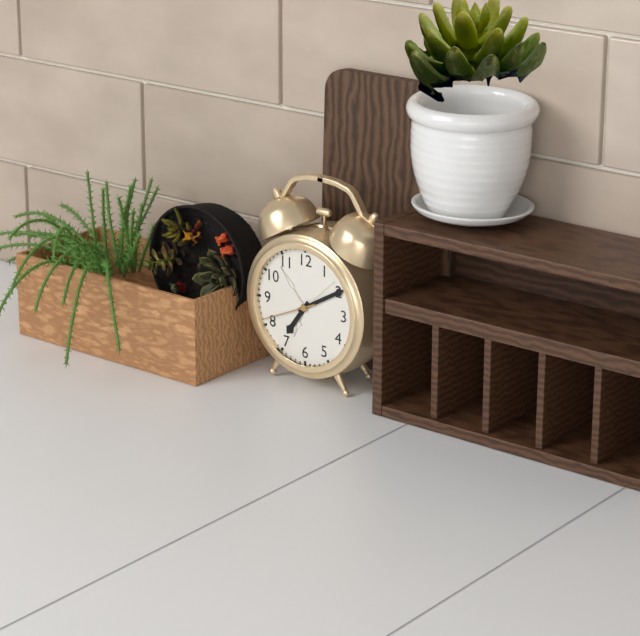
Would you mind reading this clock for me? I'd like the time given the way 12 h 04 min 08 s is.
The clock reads 7 h 10 min 41 s
